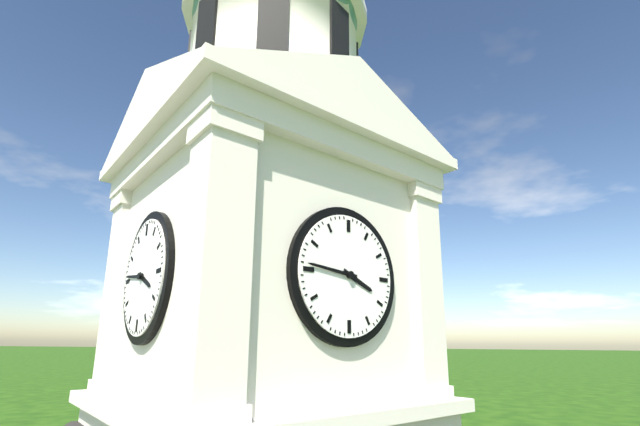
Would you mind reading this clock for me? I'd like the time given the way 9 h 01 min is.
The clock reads 3 h 46 min
